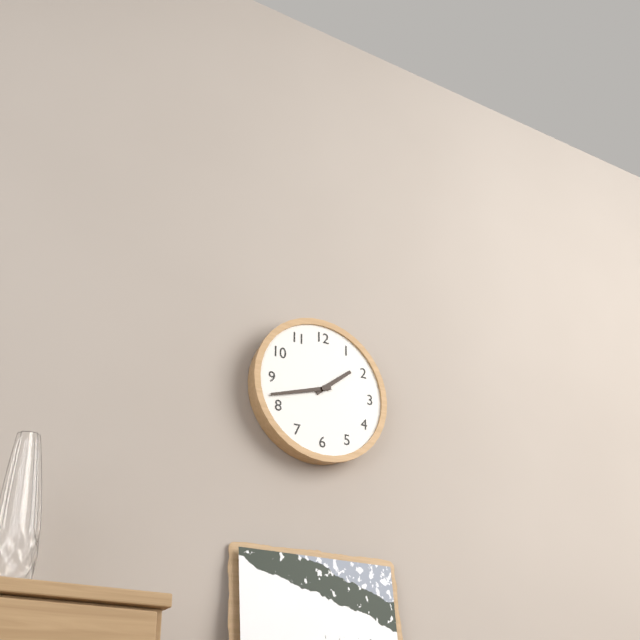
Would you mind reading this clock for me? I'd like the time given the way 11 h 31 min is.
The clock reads 1 h 42 min
